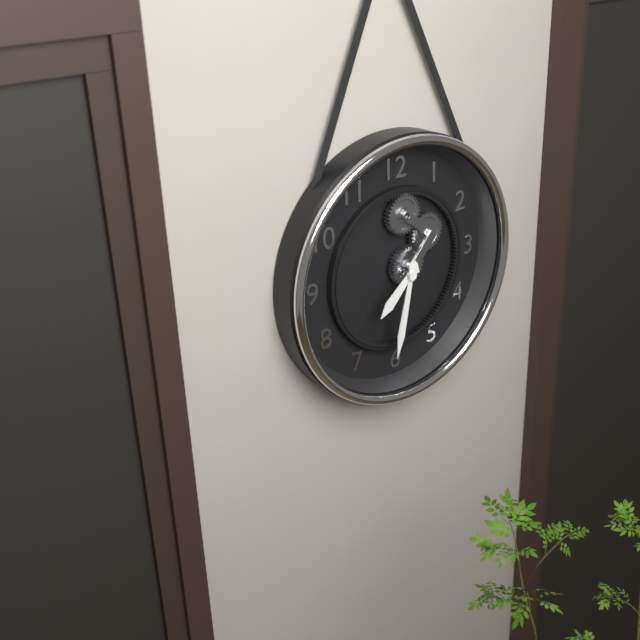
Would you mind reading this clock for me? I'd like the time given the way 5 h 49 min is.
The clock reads 7 h 32 min
